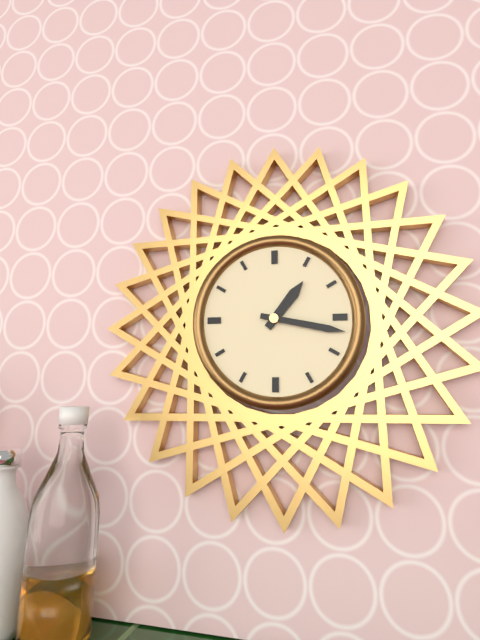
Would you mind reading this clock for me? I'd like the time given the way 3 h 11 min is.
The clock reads 1 h 17 min
